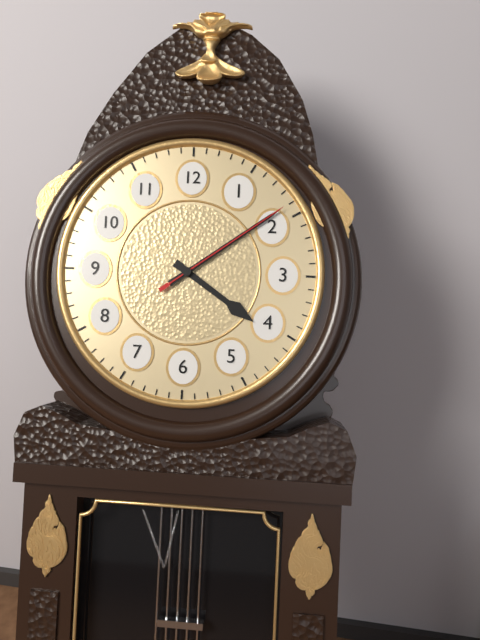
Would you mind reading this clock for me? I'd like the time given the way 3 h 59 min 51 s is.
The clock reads 4 h 09 min 09 s
